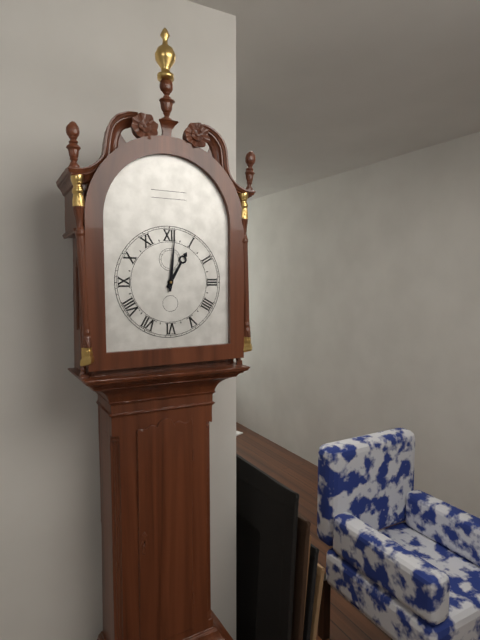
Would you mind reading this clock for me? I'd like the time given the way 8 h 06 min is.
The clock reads 1 h 01 min
